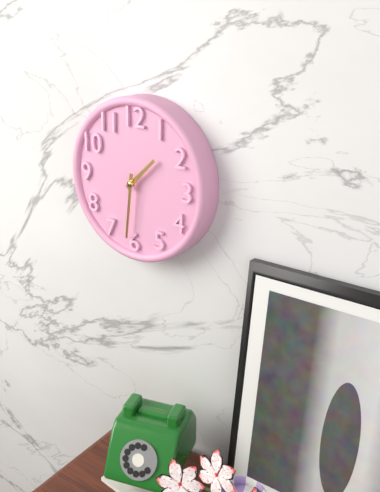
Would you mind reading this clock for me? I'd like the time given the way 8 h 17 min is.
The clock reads 1 h 31 min
